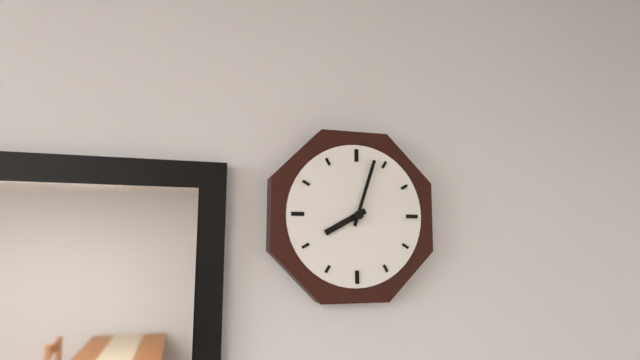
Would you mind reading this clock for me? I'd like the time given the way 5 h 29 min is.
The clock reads 8 h 03 min
